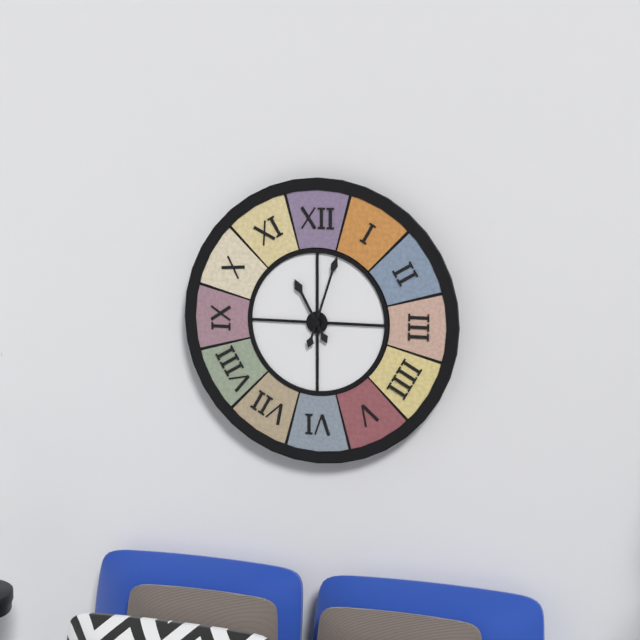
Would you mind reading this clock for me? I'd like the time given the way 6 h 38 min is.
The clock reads 11 h 03 min
